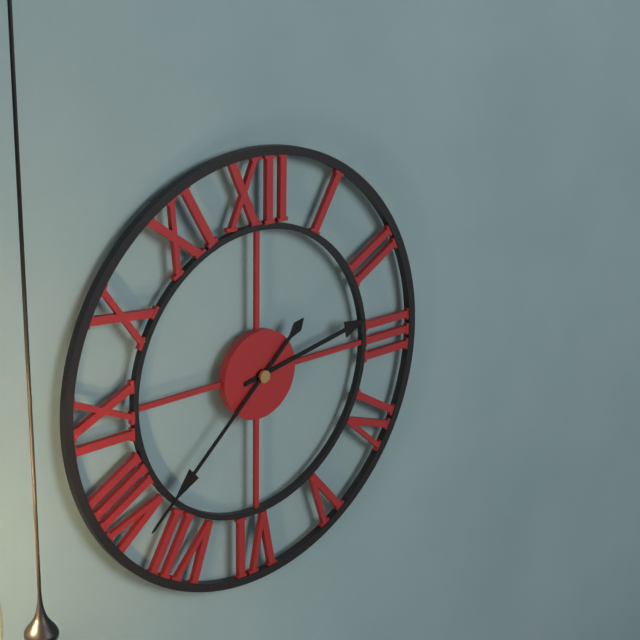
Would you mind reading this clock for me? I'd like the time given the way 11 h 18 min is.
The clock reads 2 h 38 min
